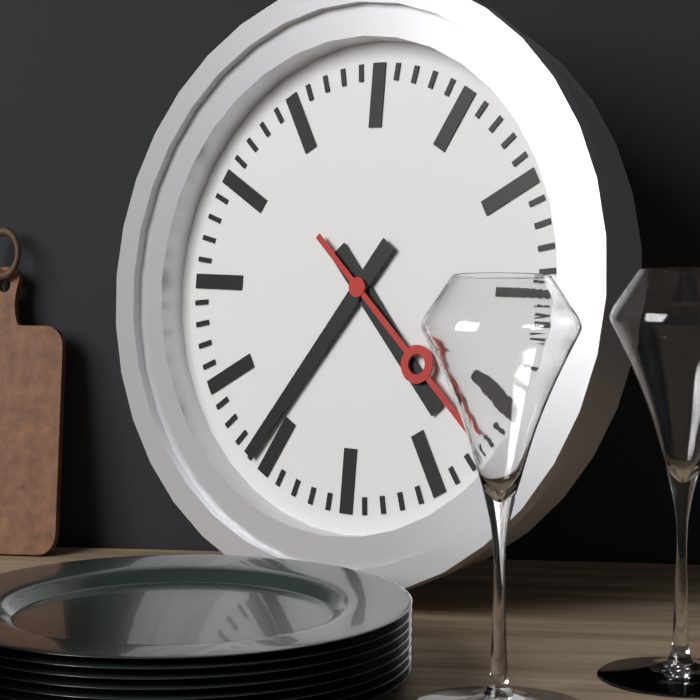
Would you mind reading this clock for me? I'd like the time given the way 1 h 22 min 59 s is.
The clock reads 4 h 36 min 22 s
